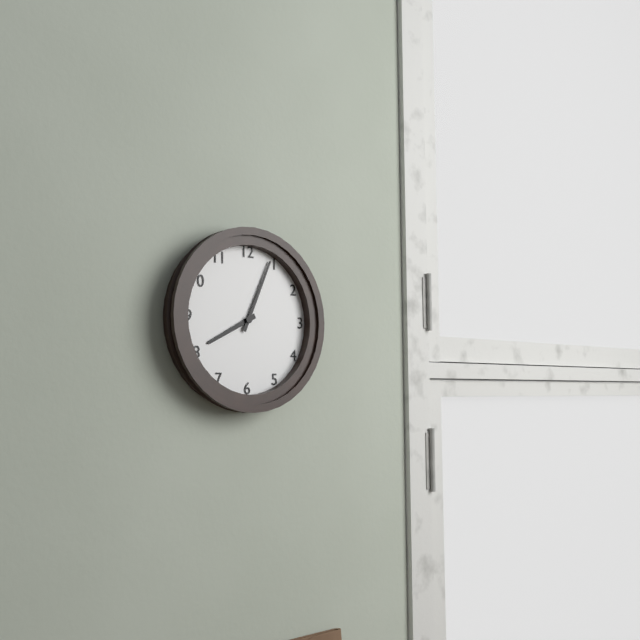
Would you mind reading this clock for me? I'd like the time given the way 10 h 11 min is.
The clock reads 8 h 04 min
